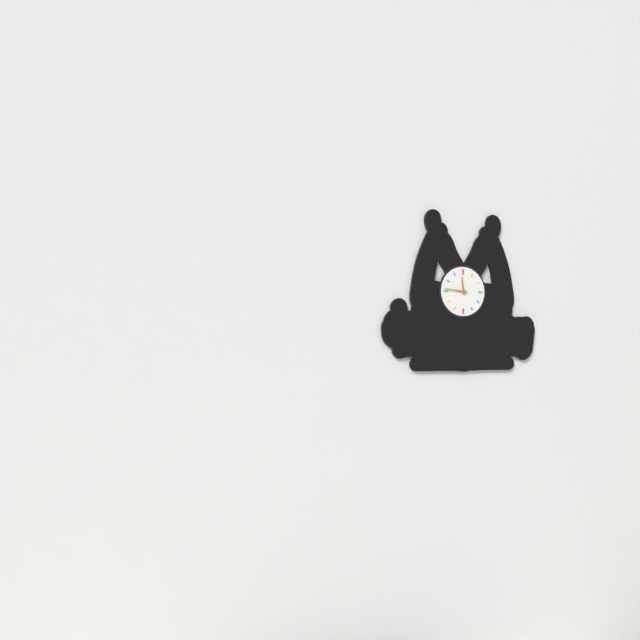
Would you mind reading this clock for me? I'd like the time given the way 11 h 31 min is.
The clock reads 11 h 46 min
